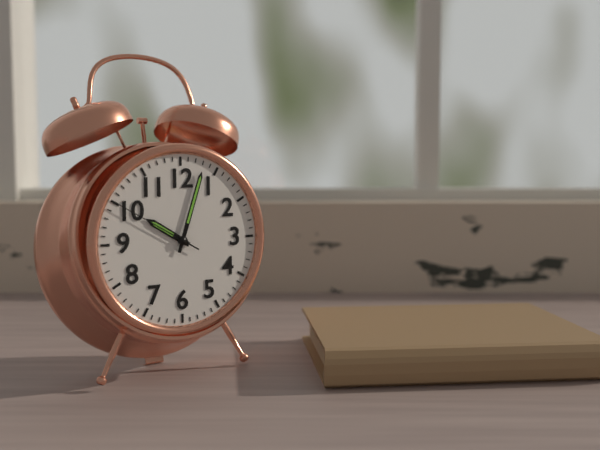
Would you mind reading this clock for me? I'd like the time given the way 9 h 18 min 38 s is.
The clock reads 10 h 03 min 50 s
